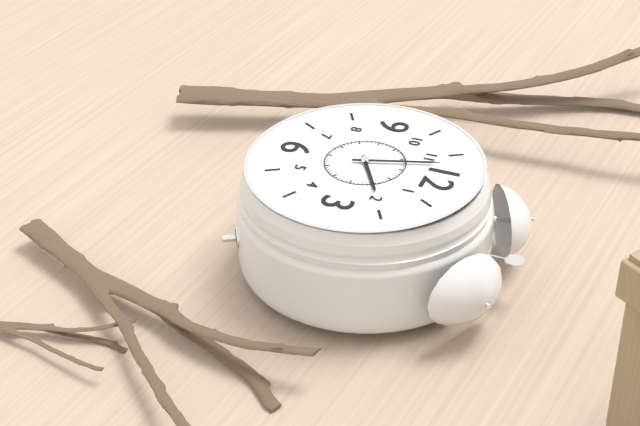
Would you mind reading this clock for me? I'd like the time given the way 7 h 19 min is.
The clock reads 1 h 57 min
